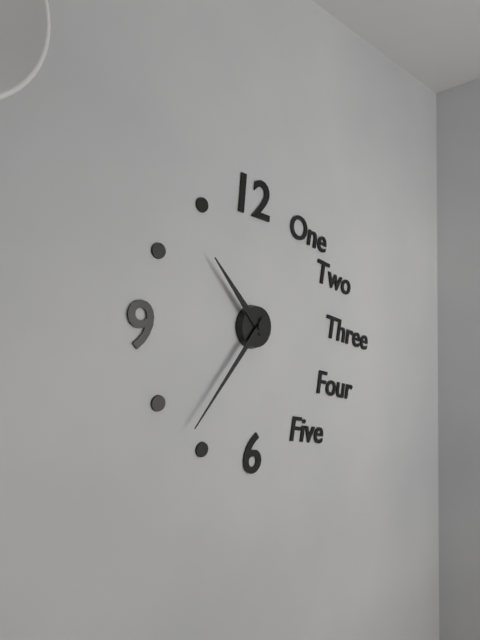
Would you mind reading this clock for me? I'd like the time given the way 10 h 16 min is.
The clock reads 10 h 37 min
